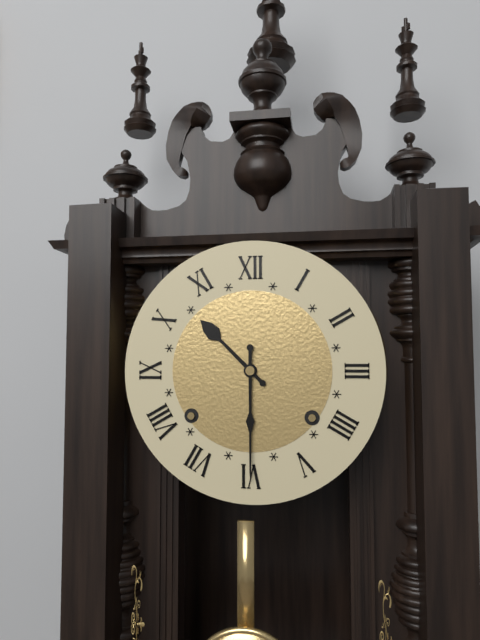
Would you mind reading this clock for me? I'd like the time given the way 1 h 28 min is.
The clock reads 10 h 30 min
